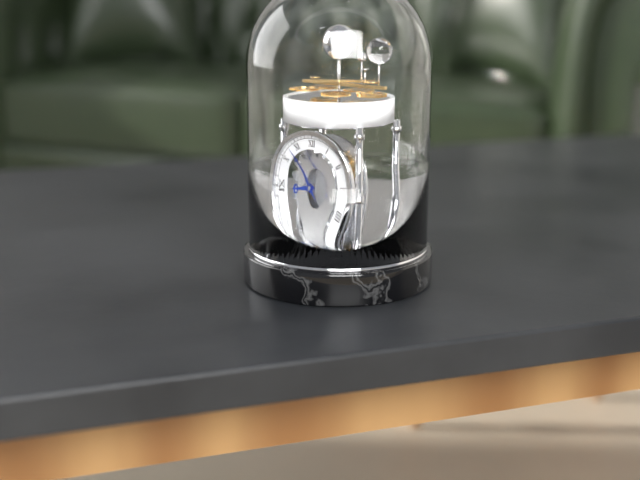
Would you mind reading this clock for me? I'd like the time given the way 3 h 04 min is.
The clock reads 8 h 53 min
